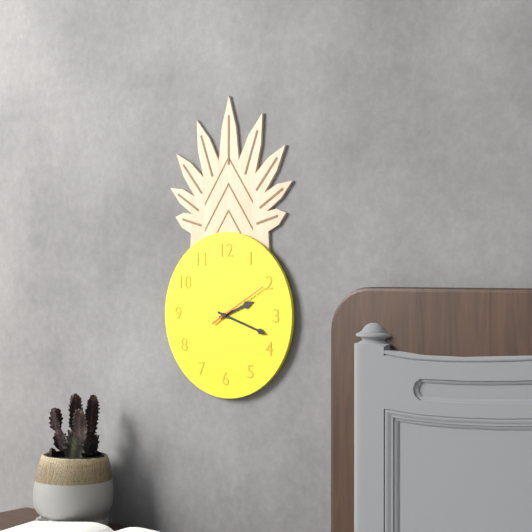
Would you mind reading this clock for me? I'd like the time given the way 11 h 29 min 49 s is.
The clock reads 2 h 18 min 10 s
